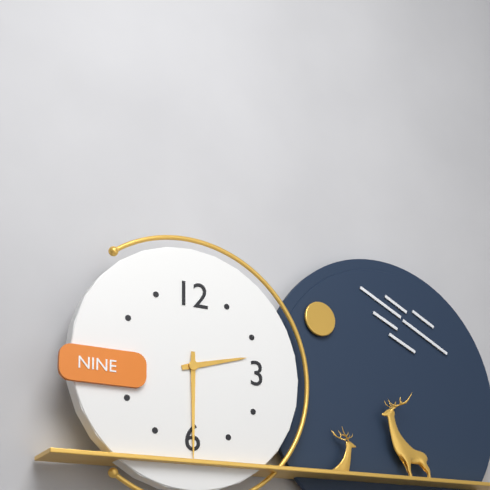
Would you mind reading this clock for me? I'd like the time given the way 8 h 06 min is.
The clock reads 2 h 30 min
